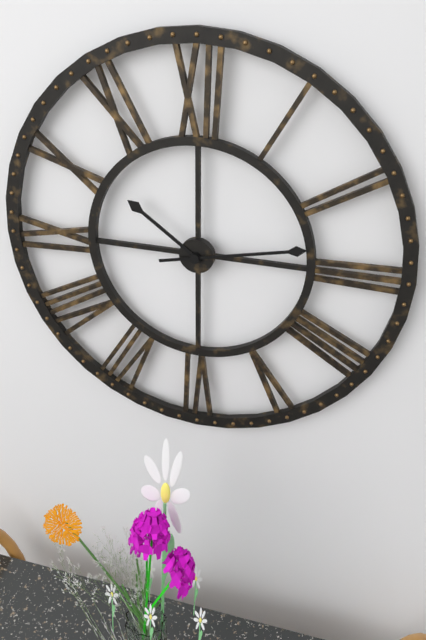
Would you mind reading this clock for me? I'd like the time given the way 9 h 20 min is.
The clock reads 10 h 13 min
